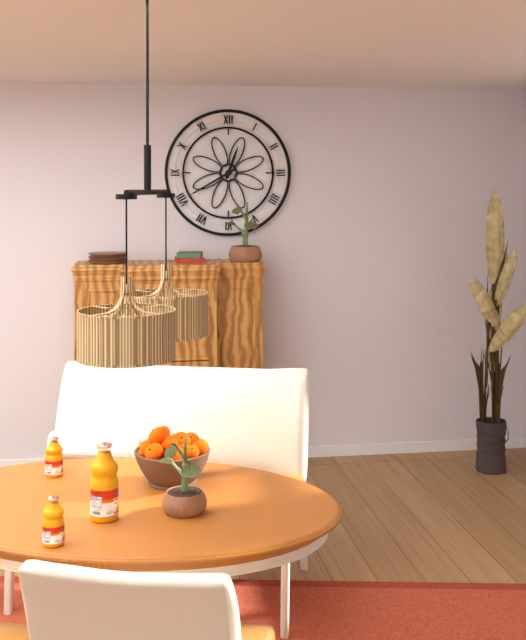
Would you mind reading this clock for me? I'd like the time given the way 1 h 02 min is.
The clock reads 12 h 40 min
